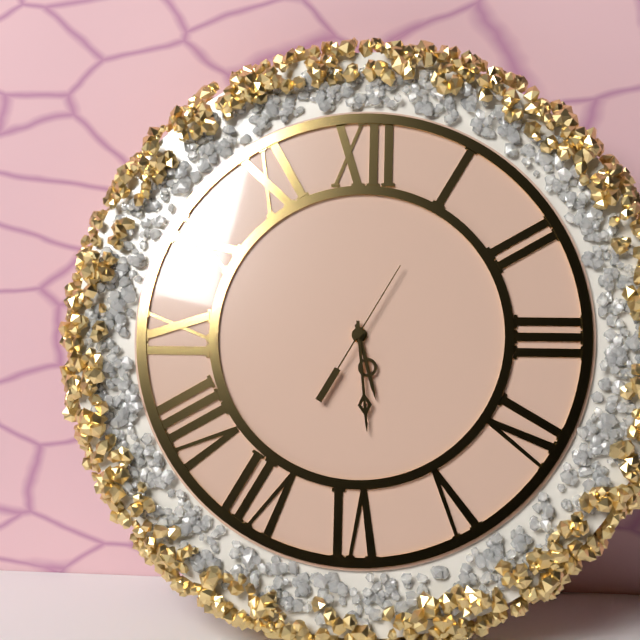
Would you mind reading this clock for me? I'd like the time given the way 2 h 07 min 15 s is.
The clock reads 5 h 29 min 05 s
